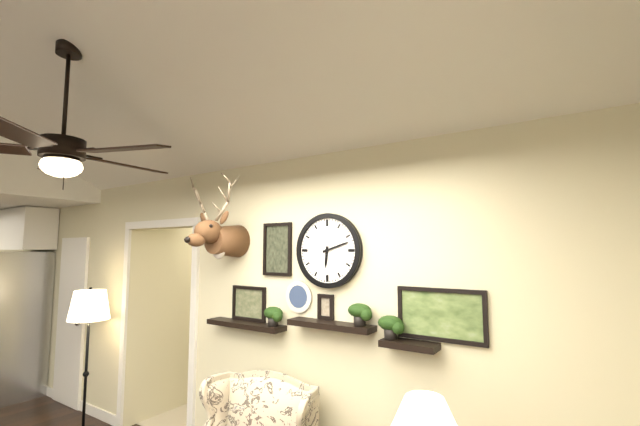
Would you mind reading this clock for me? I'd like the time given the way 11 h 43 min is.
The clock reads 6 h 12 min
